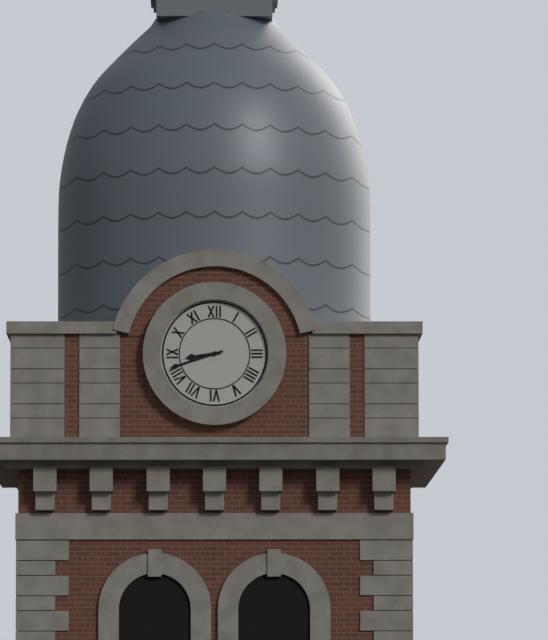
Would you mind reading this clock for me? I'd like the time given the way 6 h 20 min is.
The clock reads 8 h 42 min
